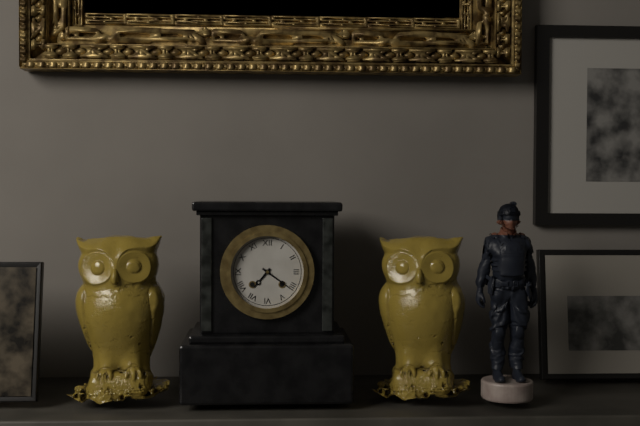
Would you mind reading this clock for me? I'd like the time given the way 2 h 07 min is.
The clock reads 7 h 21 min
